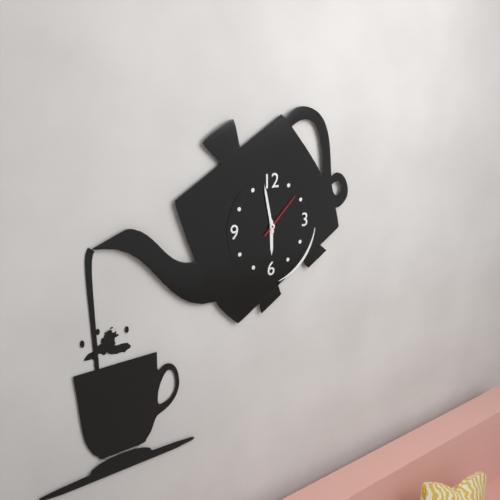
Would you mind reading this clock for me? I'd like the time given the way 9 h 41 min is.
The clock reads 5 h 58 min
